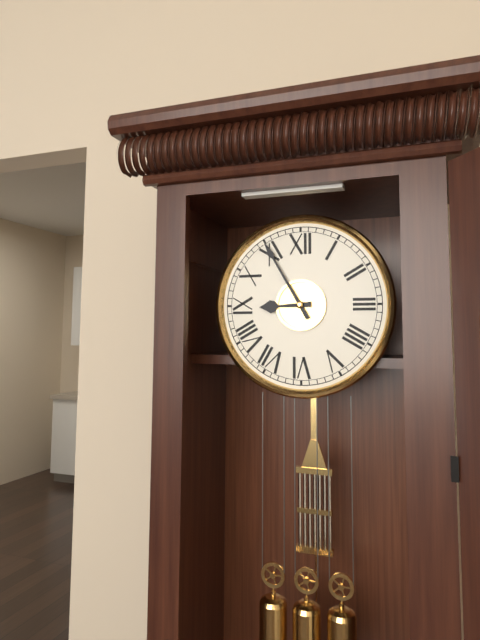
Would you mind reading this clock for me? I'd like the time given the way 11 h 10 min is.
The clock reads 8 h 55 min
